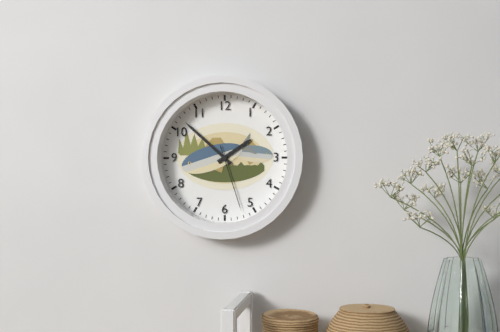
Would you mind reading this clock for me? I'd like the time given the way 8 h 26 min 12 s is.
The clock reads 1 h 52 min 27 s
